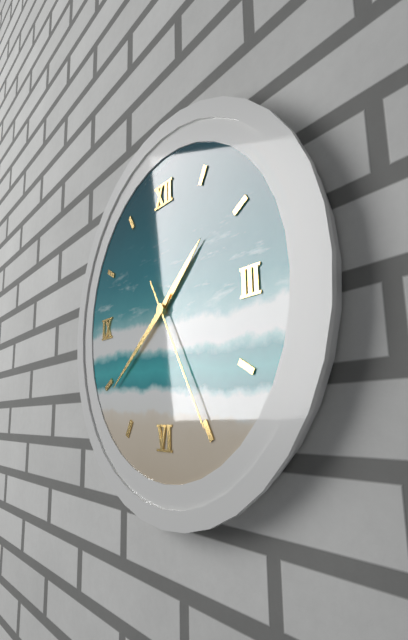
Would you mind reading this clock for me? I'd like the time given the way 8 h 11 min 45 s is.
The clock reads 1 h 39 min 25 s
